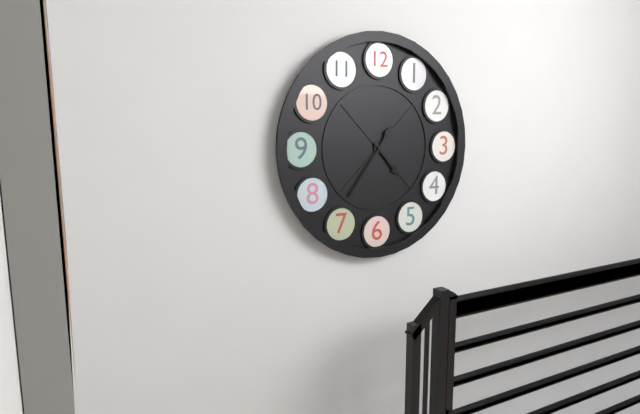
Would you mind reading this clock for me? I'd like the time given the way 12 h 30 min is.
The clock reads 4 h 36 min
